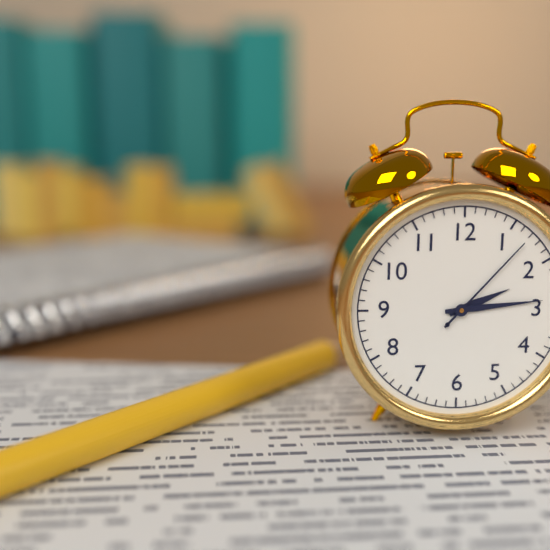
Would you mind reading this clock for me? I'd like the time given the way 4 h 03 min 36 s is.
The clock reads 2 h 14 min 07 s
